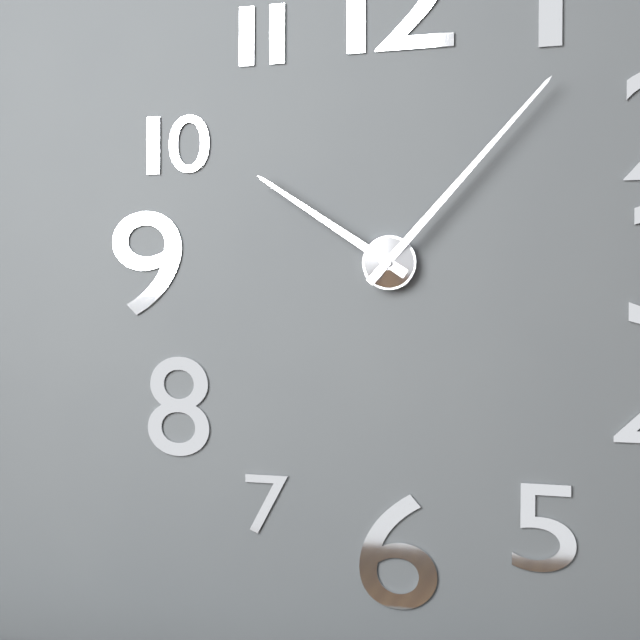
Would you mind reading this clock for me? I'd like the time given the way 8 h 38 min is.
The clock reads 10 h 07 min
